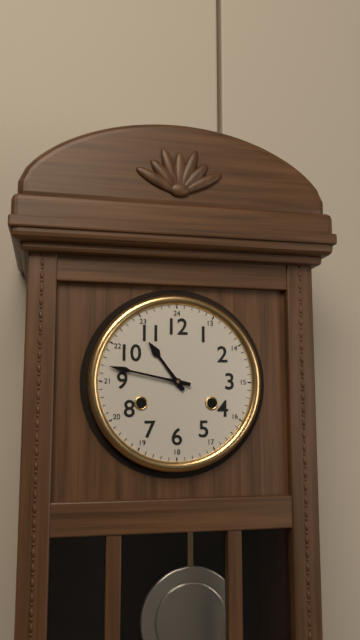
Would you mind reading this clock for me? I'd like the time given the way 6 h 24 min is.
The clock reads 10 h 47 min
